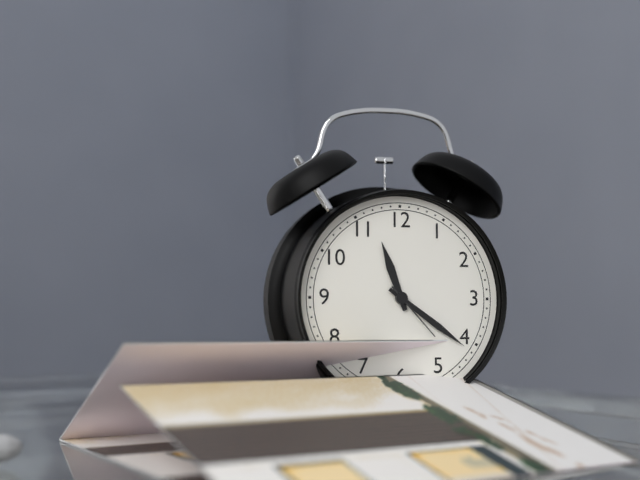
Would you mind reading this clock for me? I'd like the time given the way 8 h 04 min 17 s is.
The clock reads 11 h 21 min 23 s
